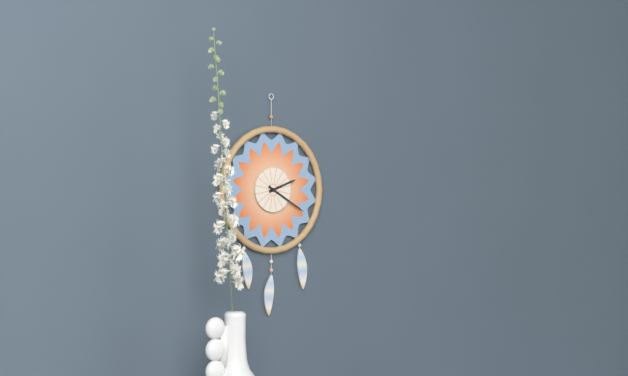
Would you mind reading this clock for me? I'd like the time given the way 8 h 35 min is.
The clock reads 2 h 20 min
